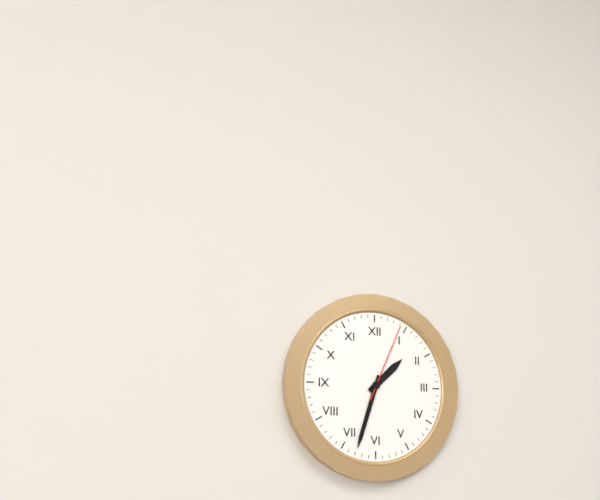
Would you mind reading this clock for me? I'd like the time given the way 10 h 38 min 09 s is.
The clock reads 1 h 33 min 04 s
